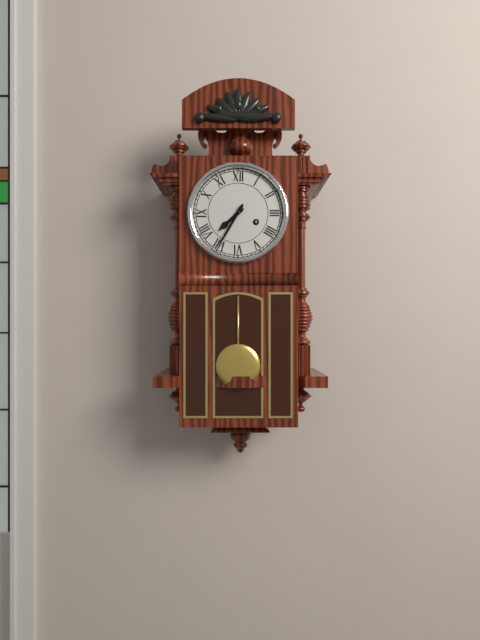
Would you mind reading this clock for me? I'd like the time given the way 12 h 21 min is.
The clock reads 7 h 35 min
